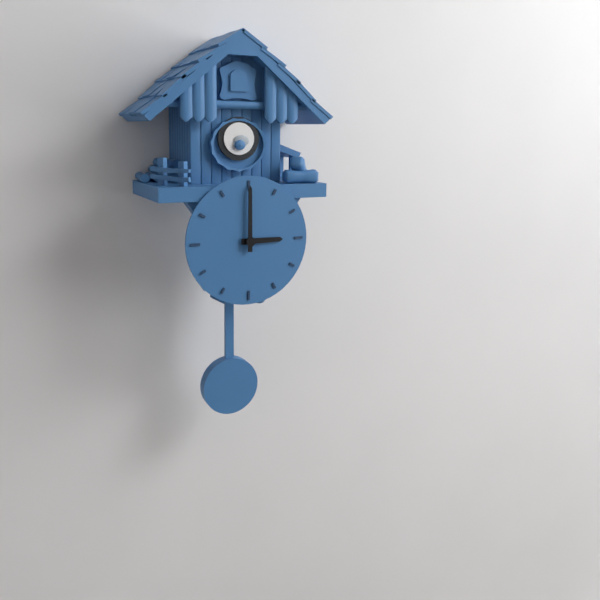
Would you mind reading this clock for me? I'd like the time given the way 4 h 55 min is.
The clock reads 3 h 00 min
